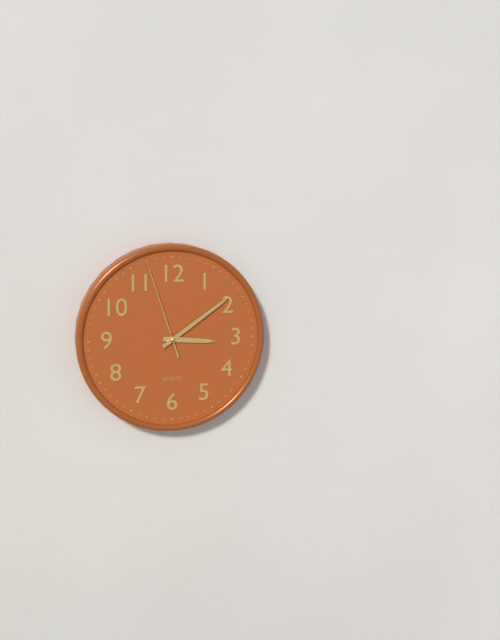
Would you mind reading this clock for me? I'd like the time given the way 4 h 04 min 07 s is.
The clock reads 3 h 09 min 57 s
